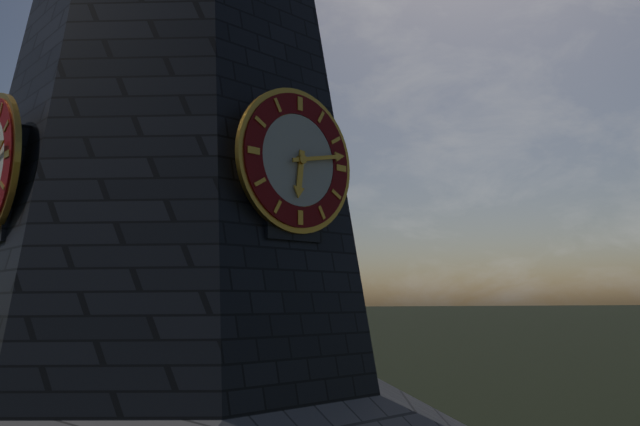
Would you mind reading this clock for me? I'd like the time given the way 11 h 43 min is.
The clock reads 6 h 13 min
